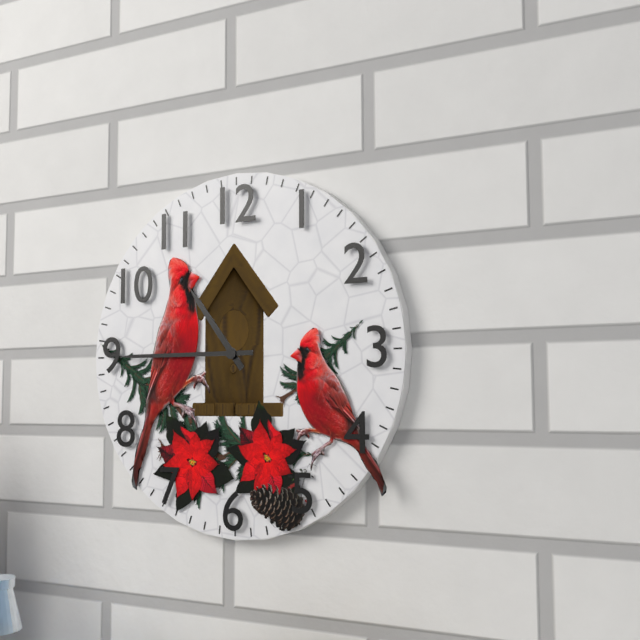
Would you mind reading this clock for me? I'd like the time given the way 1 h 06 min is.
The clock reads 10 h 45 min
